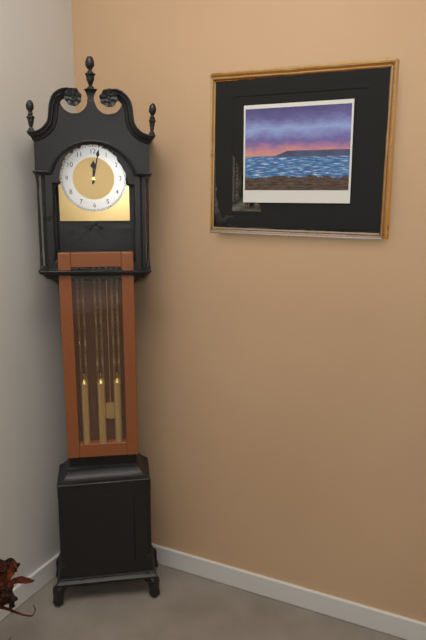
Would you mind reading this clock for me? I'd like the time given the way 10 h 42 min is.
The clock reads 12 h 02 min
